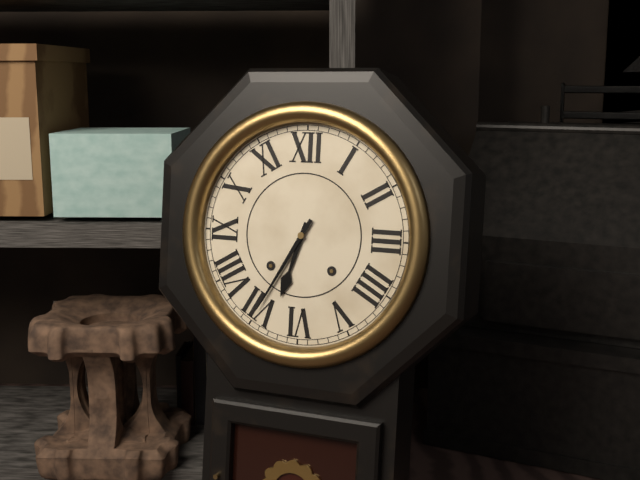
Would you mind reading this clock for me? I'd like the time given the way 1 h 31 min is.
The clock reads 6 h 35 min
